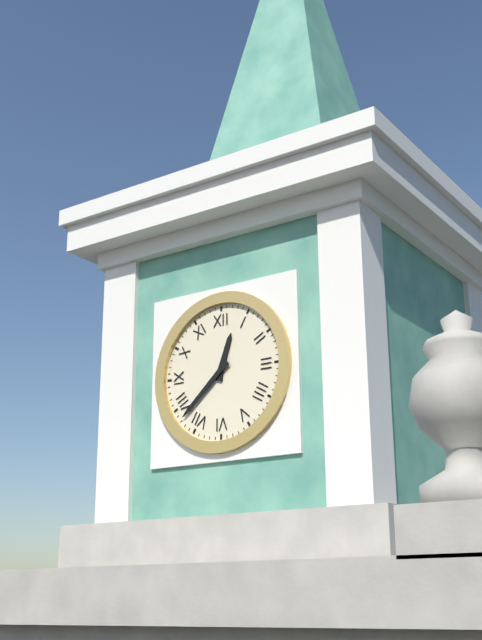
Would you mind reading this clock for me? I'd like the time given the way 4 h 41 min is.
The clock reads 12 h 38 min
